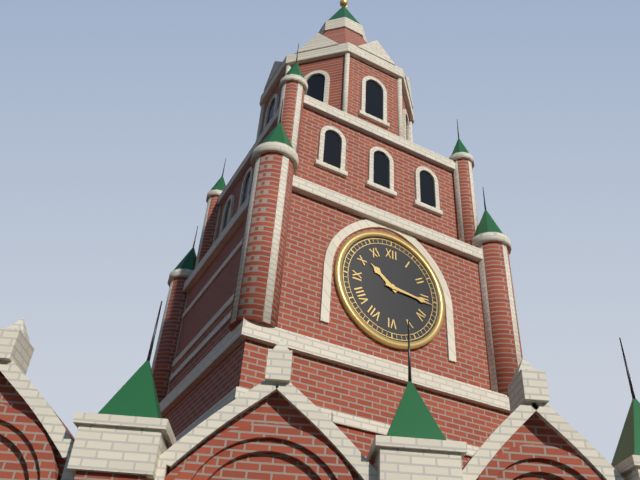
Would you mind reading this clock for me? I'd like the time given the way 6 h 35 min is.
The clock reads 10 h 16 min
